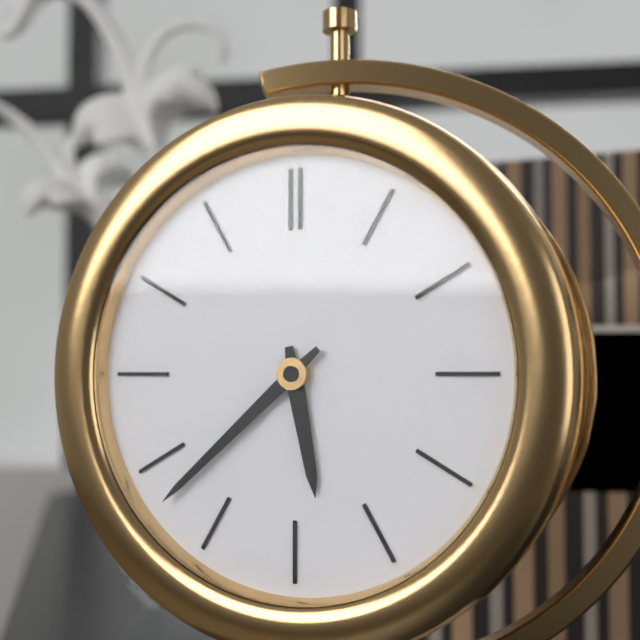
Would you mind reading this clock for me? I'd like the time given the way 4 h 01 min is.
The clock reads 5 h 38 min
